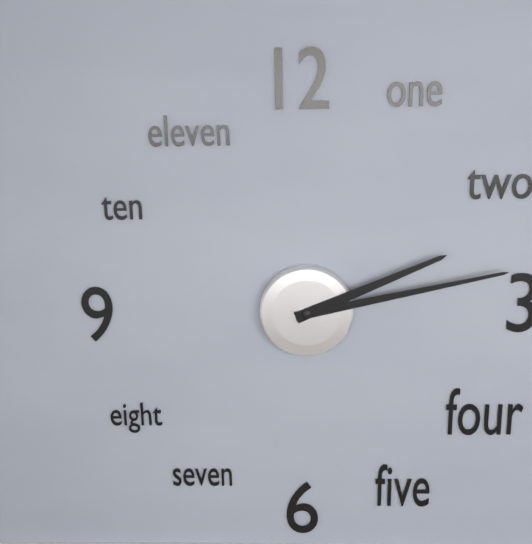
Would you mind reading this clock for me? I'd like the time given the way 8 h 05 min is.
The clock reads 2 h 13 min
